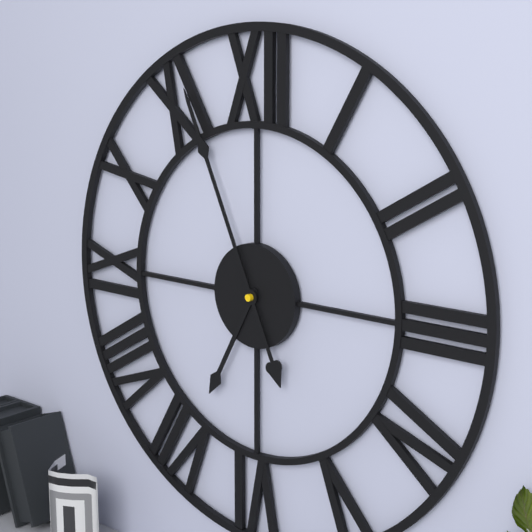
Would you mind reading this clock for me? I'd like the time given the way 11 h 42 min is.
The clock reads 6 h 56 min
